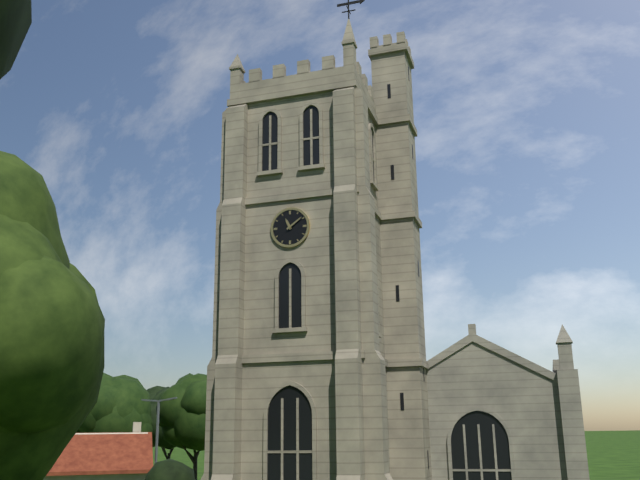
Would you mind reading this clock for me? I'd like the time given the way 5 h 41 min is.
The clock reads 11 h 09 min
